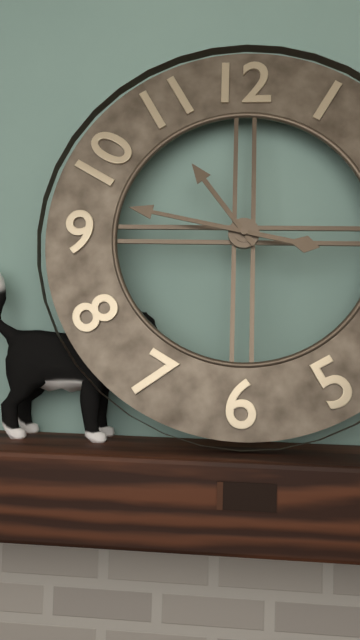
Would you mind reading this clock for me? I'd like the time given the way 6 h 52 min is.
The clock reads 10 h 47 min
